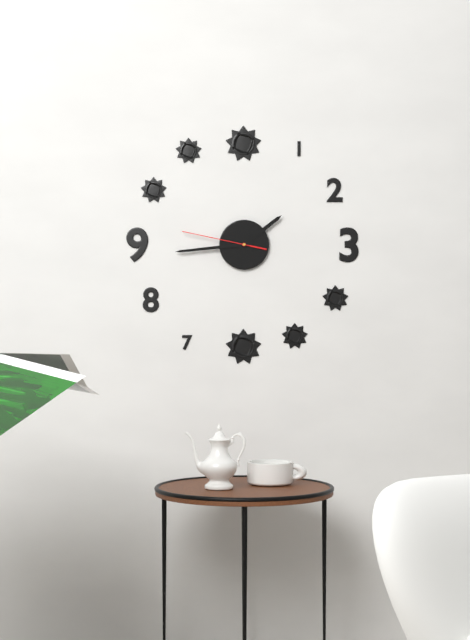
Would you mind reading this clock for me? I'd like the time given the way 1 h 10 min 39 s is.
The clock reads 1 h 44 min 47 s
